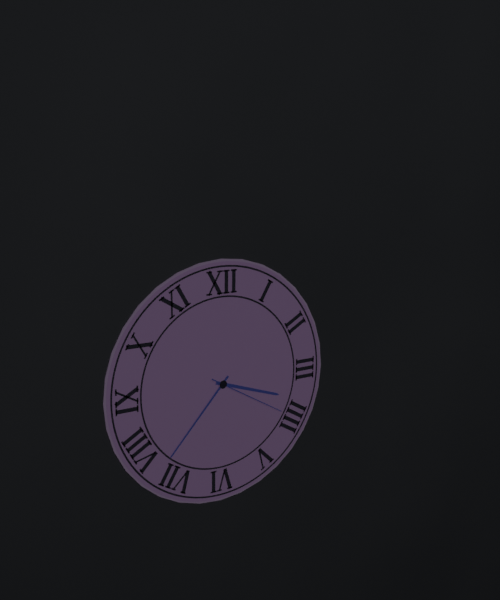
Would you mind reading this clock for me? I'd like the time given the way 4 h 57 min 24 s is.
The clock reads 3 h 37 min 20 s
